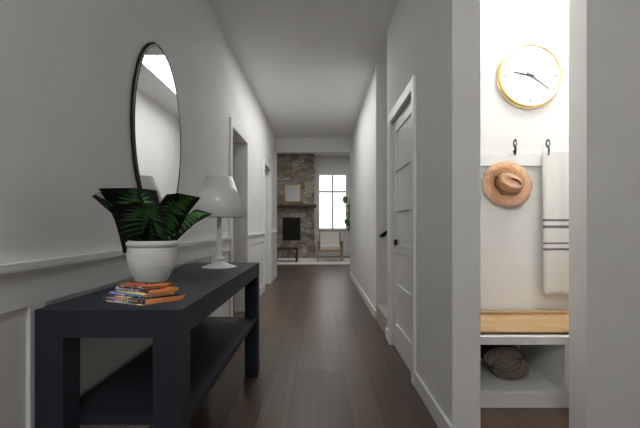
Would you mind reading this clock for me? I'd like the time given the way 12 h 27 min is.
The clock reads 9 h 21 min
